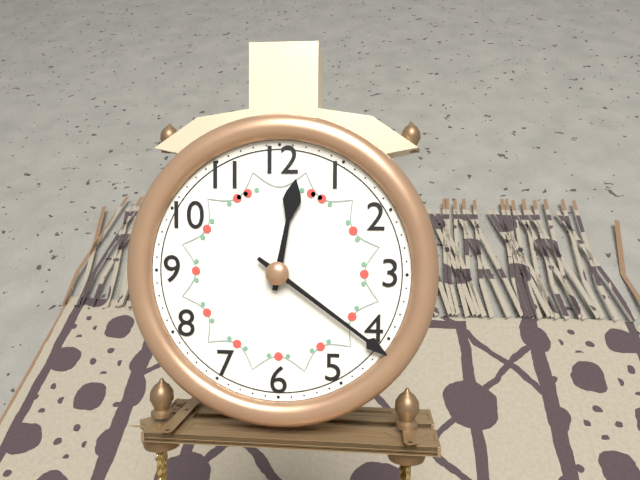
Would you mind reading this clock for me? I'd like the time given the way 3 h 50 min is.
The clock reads 12 h 21 min
